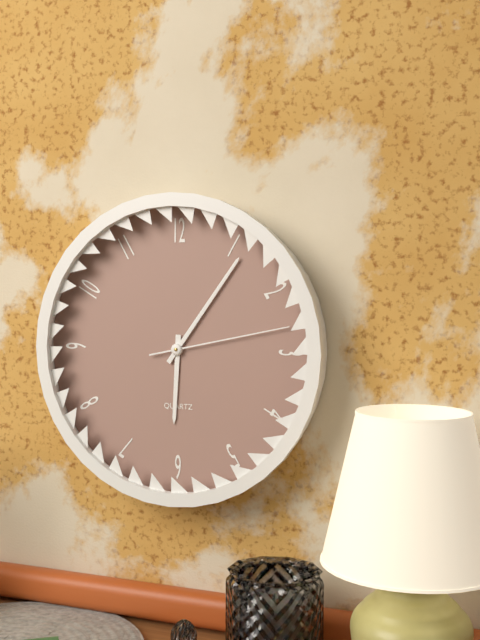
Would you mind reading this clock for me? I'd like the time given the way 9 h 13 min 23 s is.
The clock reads 6 h 06 min 13 s
